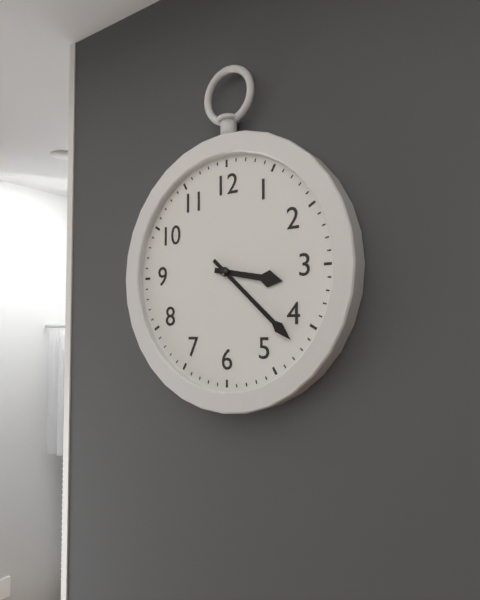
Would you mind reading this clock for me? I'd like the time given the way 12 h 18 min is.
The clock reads 3 h 22 min
